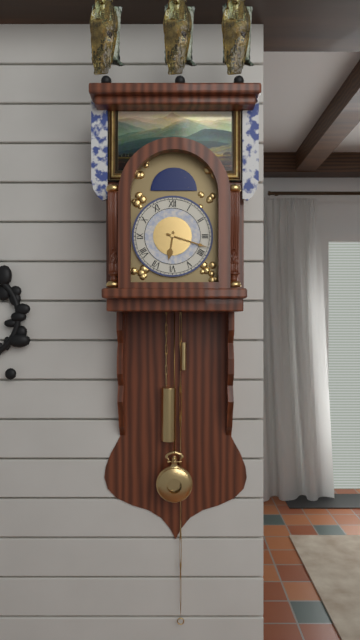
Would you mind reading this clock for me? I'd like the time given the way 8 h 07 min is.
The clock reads 6 h 18 min
